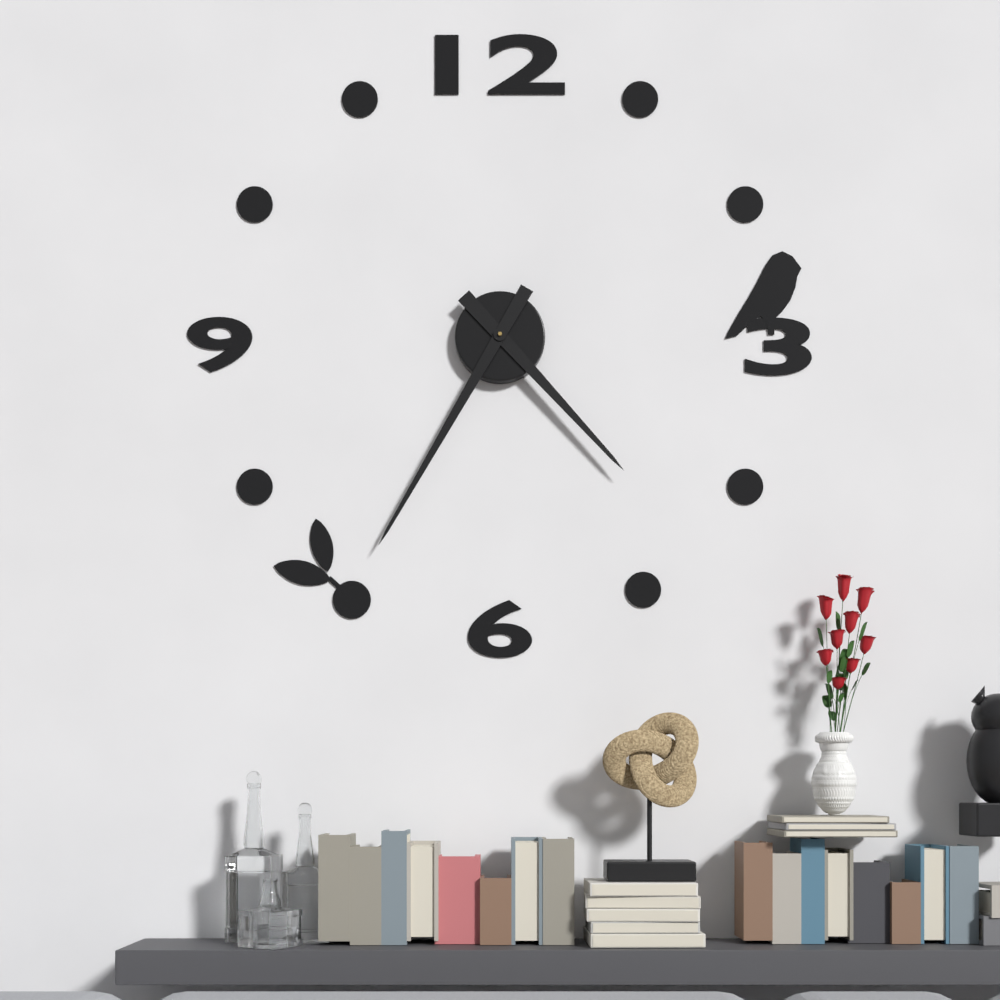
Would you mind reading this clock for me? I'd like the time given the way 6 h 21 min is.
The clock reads 4 h 35 min
